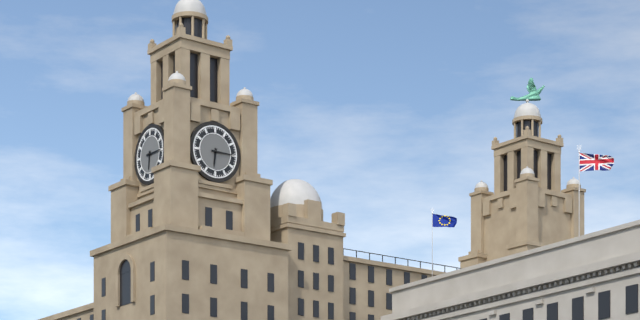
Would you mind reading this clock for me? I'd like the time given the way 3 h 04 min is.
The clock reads 6 h 15 min
